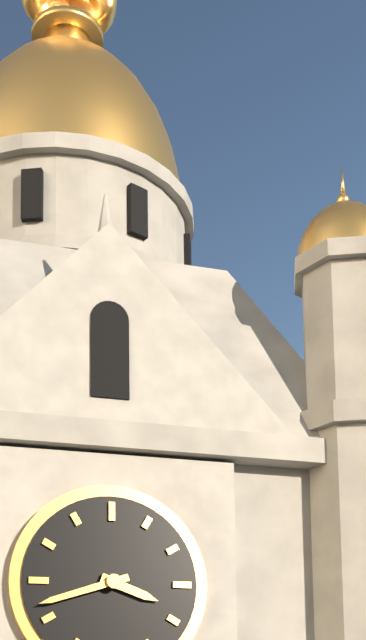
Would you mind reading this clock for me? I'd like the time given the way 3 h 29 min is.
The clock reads 3 h 42 min
